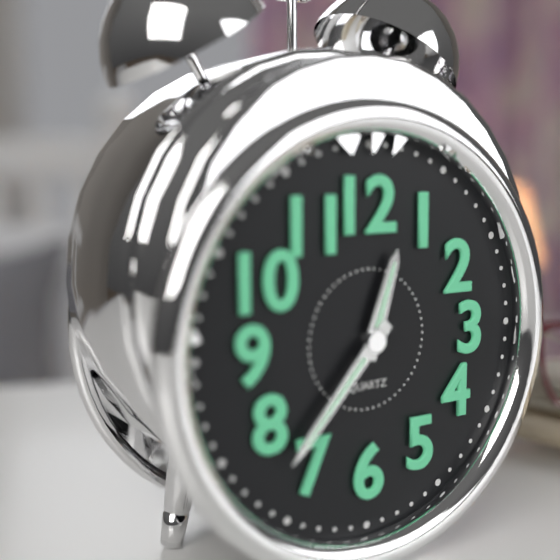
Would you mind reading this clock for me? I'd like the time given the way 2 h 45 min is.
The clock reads 12 h 37 min
